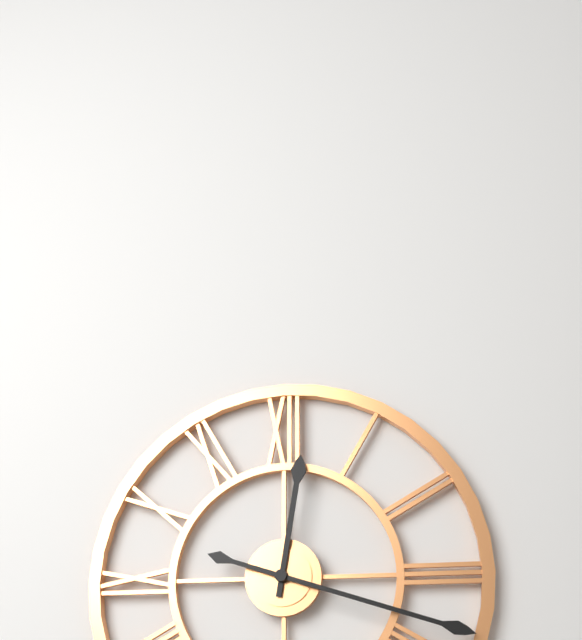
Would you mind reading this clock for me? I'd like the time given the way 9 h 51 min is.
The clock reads 12 h 18 min
